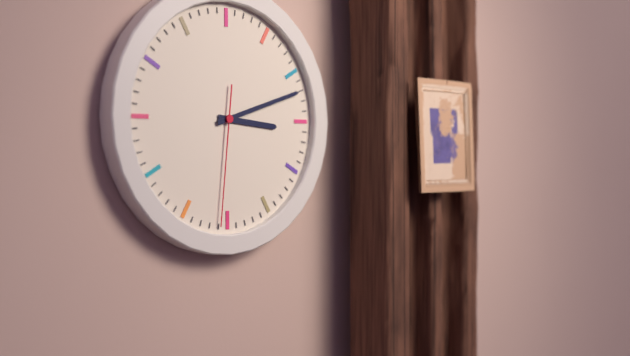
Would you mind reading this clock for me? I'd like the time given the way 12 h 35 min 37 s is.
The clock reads 3 h 12 min 31 s
